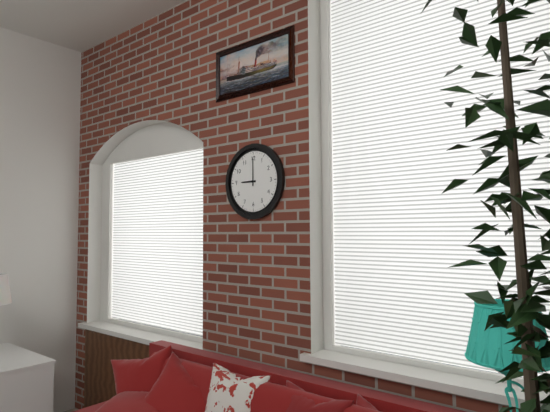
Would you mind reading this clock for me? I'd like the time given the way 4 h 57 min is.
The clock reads 9 h 00 min
